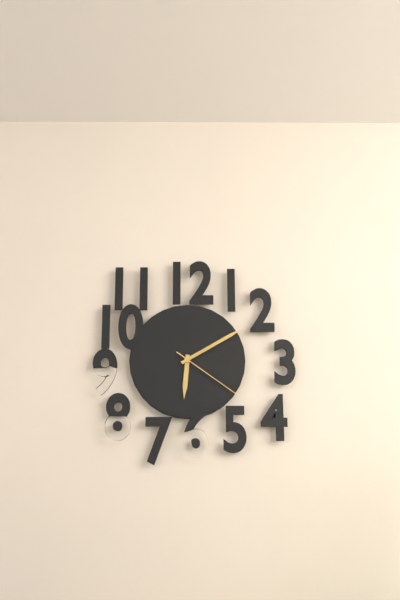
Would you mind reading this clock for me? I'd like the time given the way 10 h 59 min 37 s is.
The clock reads 6 h 10 min 21 s
